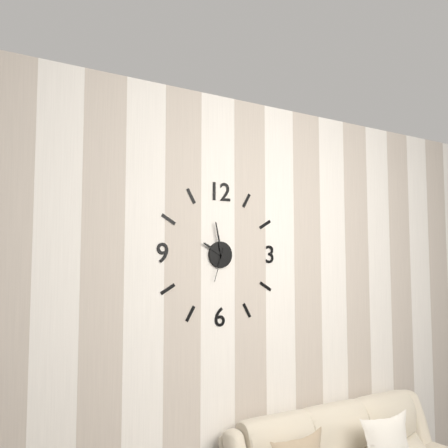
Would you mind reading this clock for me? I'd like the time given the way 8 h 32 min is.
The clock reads 9 h 58 min
